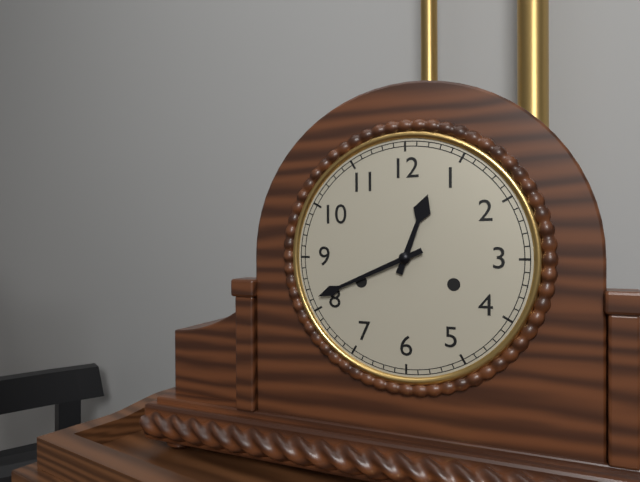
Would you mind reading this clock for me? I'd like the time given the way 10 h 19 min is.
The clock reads 12 h 41 min
